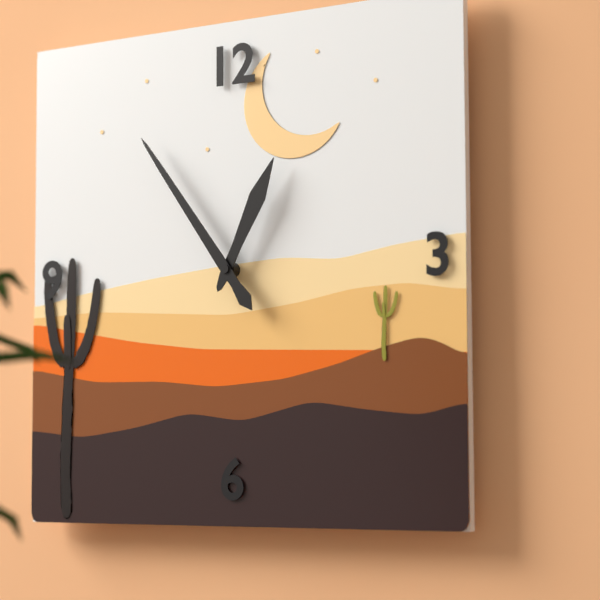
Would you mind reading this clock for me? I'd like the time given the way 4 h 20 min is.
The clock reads 12 h 54 min
